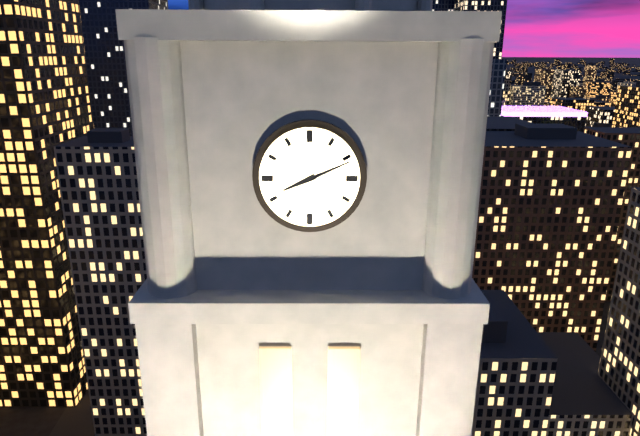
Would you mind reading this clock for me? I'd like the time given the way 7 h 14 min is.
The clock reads 8 h 11 min
